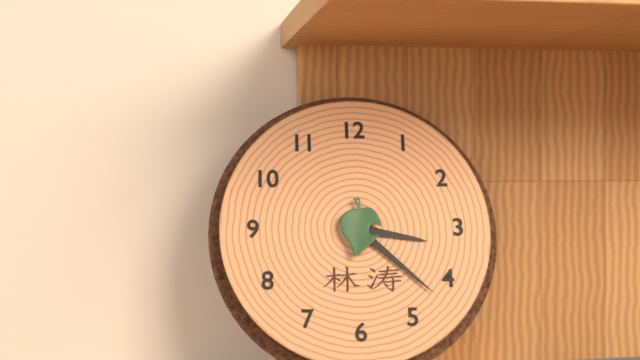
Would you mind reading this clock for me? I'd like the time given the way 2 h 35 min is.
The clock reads 3 h 22 min
